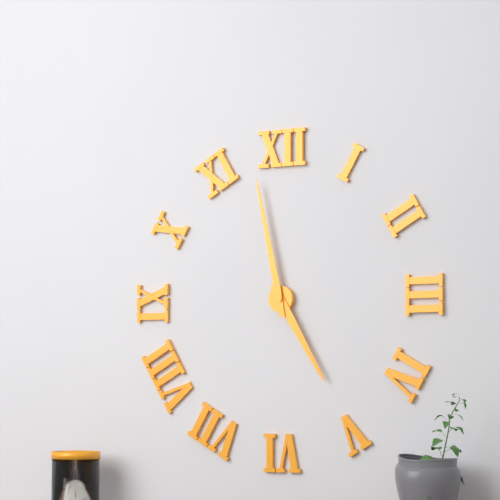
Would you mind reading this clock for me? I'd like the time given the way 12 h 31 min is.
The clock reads 4 h 58 min
